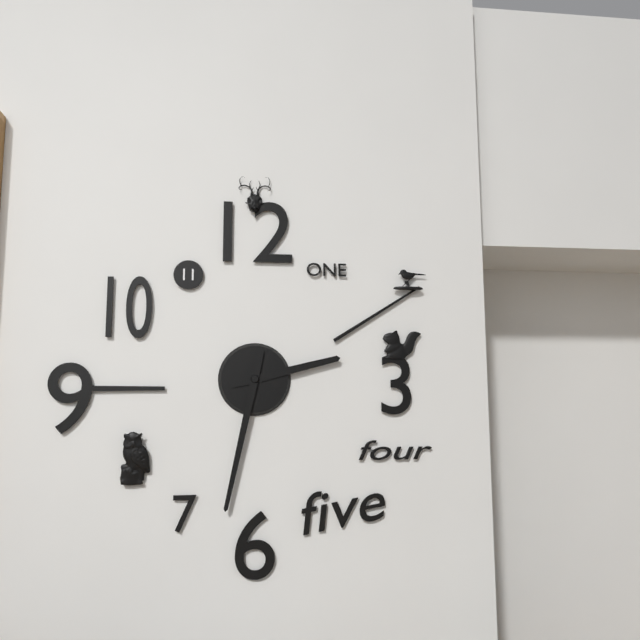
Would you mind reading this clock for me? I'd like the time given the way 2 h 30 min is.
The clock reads 2 h 32 min
